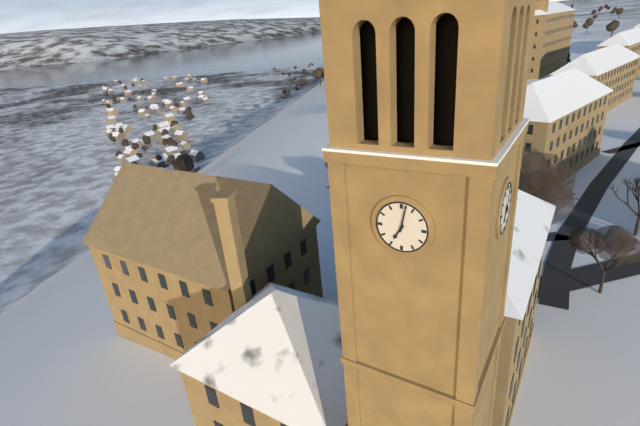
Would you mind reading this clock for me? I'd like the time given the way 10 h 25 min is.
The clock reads 7 h 02 min
